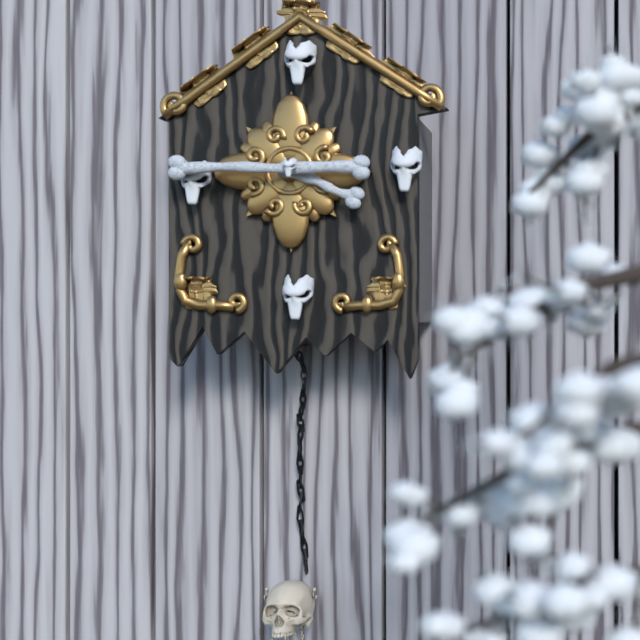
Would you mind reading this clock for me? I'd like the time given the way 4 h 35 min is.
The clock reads 3 h 45 min
